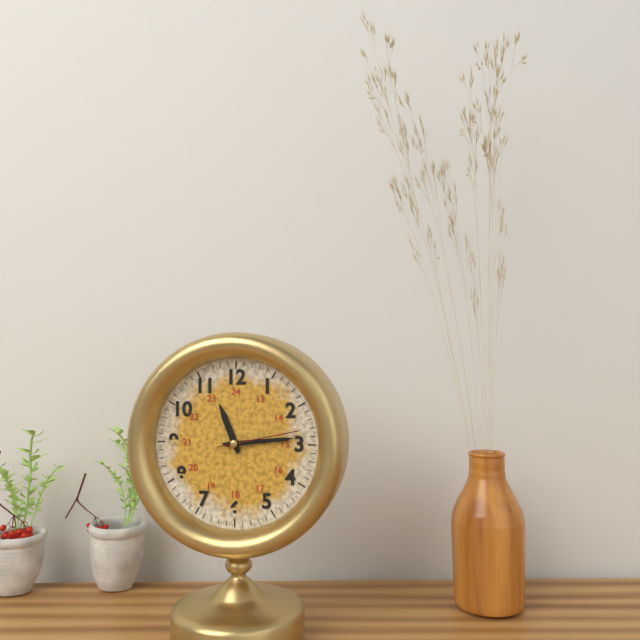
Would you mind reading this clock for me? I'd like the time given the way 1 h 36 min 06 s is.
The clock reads 11 h 14 min 13 s
